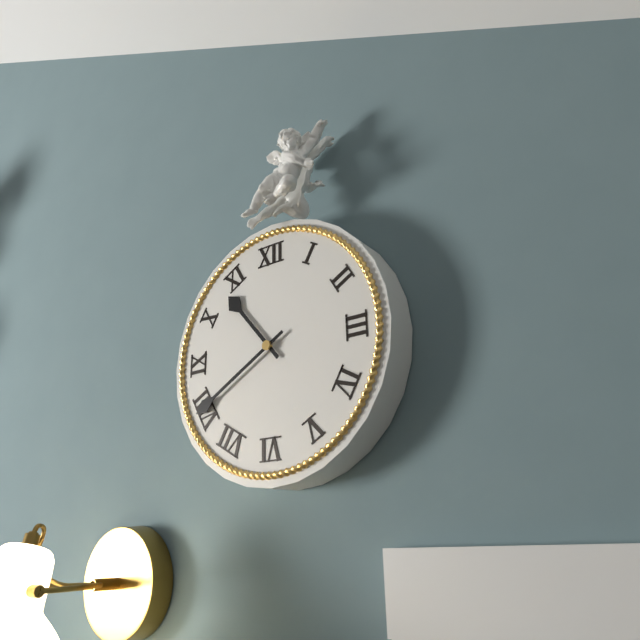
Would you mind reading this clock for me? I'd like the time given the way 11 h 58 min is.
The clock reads 10 h 40 min
